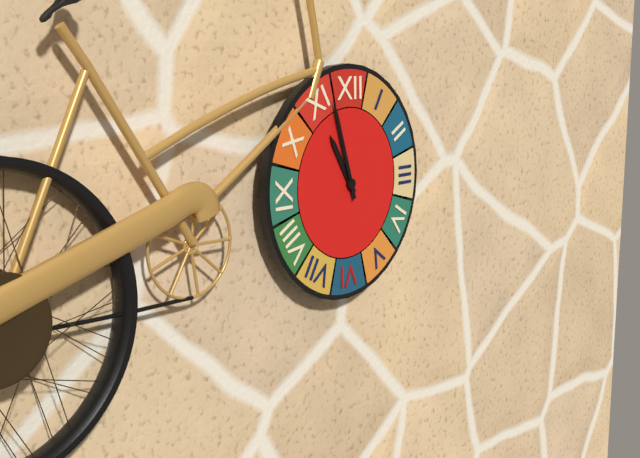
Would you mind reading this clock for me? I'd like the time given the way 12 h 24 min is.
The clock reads 10 h 57 min
